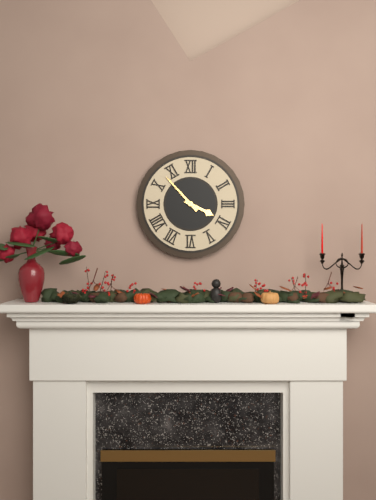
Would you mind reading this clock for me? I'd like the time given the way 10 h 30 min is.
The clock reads 3 h 53 min
